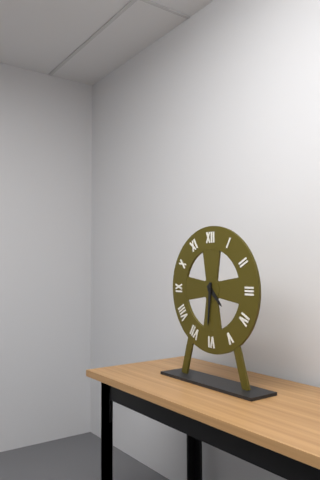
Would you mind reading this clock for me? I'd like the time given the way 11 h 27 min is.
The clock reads 4 h 31 min
